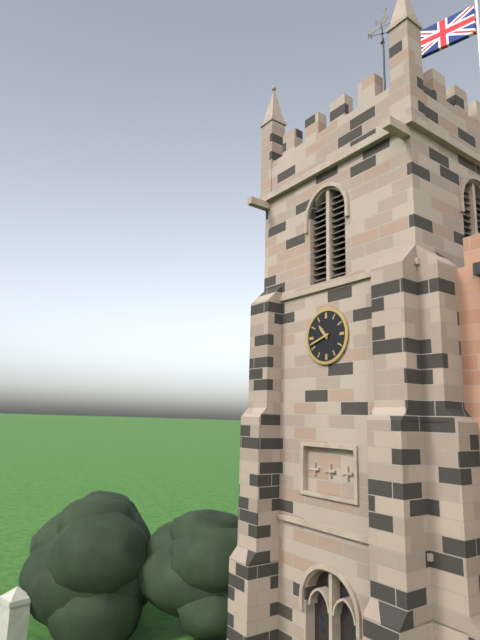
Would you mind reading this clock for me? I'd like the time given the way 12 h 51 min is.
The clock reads 10 h 42 min
